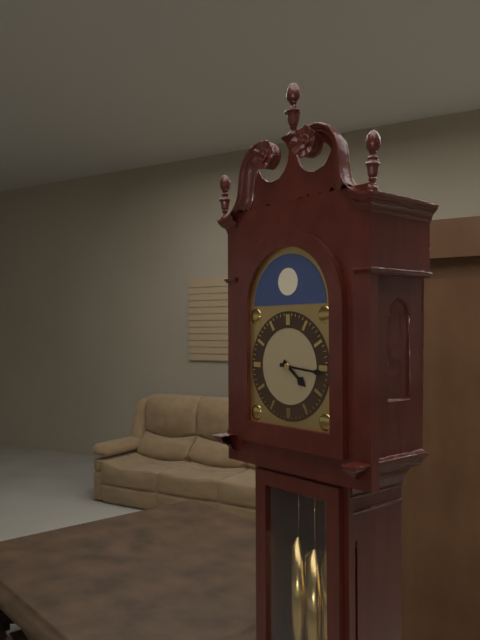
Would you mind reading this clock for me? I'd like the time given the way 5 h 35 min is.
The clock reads 4 h 16 min
